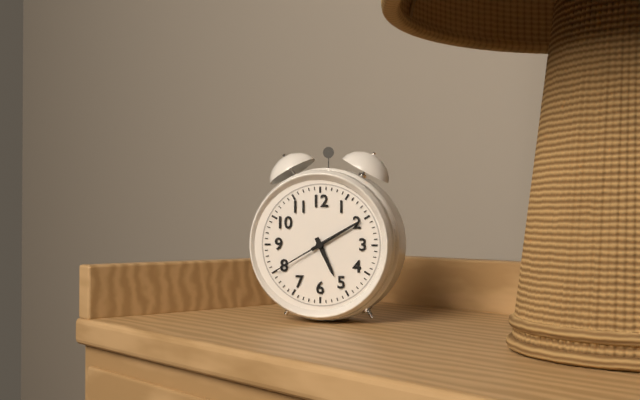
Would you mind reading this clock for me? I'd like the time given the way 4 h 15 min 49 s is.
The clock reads 5 h 10 min 40 s
